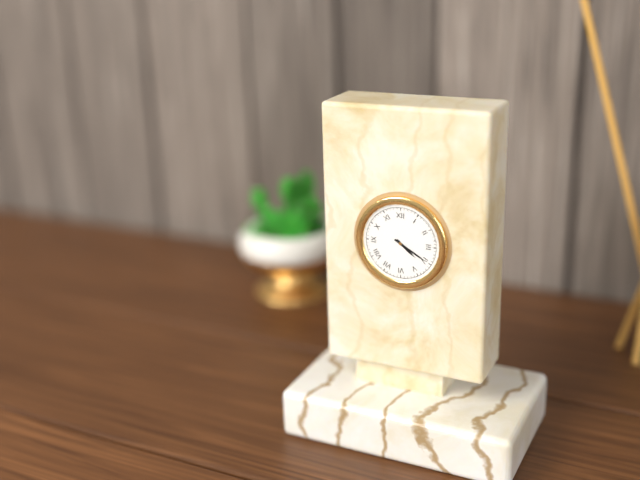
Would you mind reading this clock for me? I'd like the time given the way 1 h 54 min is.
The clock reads 4 h 20 min
